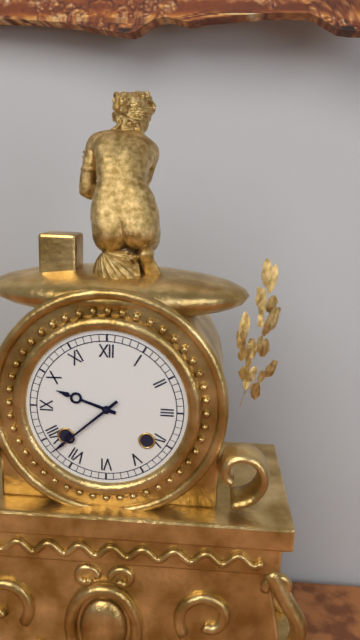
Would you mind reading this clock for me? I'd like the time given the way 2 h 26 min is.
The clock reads 9 h 38 min
